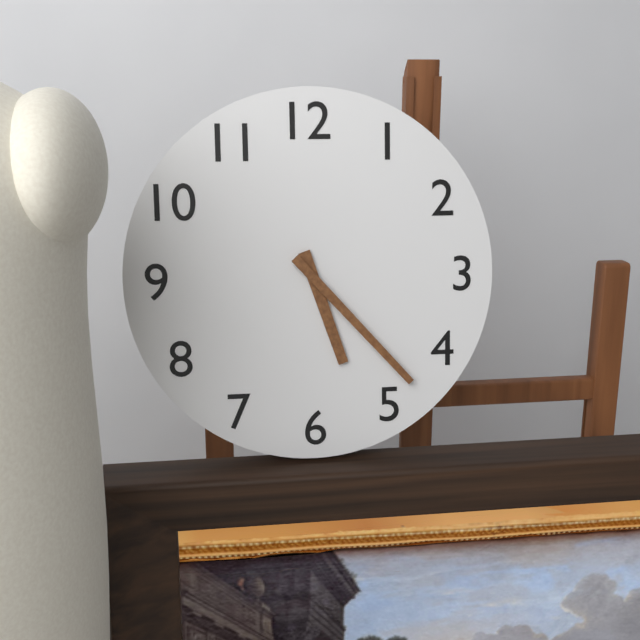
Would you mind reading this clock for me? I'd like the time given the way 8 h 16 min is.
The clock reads 5 h 23 min
